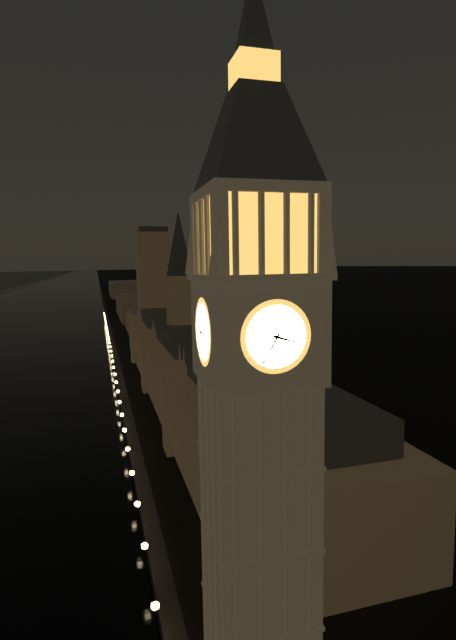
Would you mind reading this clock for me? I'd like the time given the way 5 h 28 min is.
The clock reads 3 h 35 min
